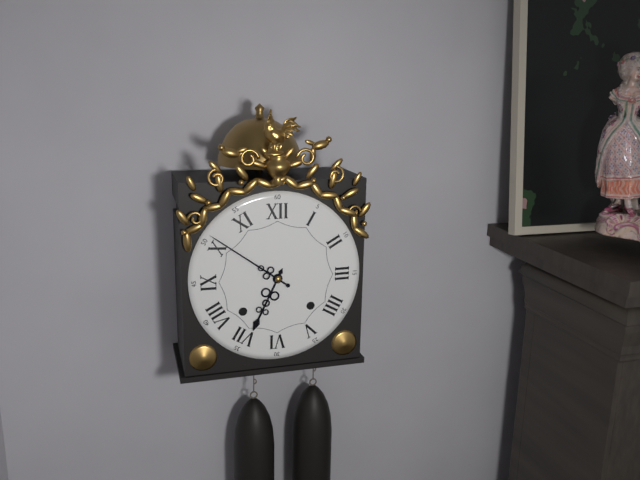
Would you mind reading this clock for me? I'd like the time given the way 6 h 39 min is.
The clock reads 6 h 51 min
